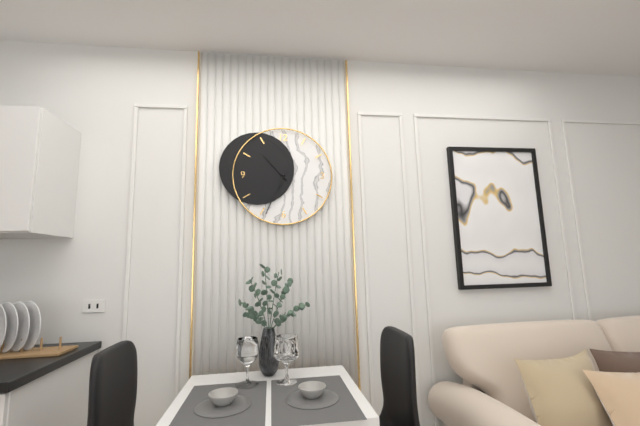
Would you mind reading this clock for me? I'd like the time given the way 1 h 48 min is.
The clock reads 10 h 34 min
